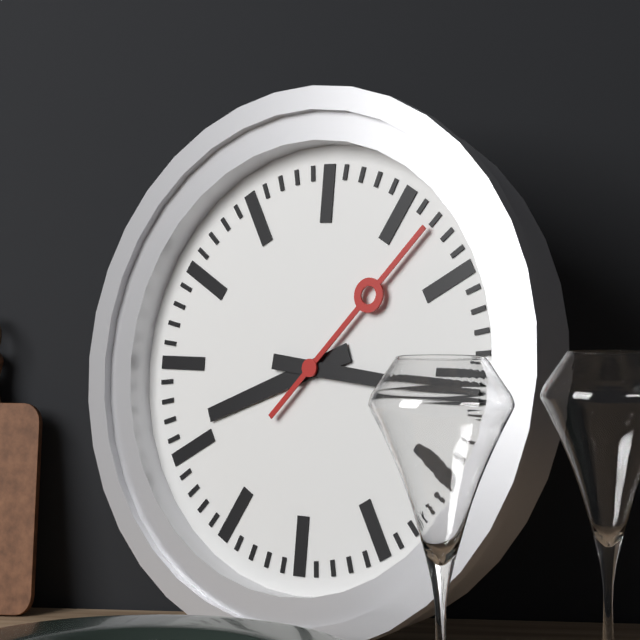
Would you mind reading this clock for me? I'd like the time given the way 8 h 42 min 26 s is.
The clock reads 8 h 16 min 07 s
